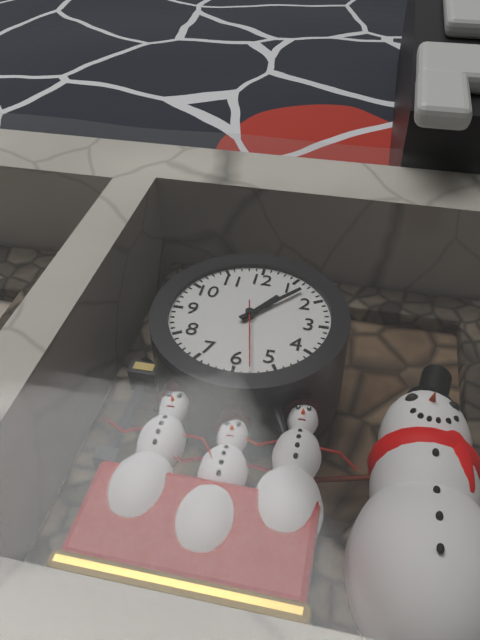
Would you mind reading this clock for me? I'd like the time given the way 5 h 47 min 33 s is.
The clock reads 1 h 07 min 28 s
